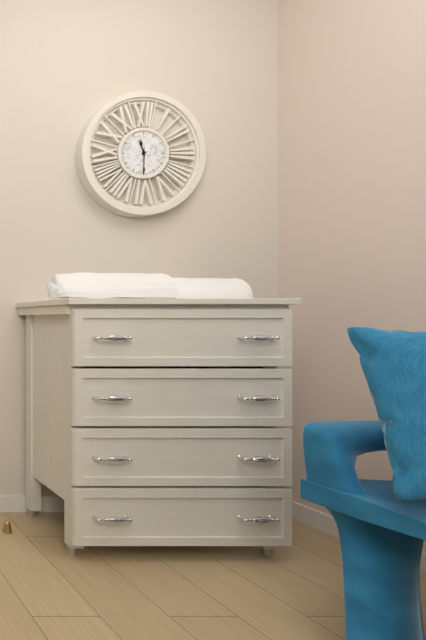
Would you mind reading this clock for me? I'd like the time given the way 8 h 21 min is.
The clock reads 11 h 30 min
